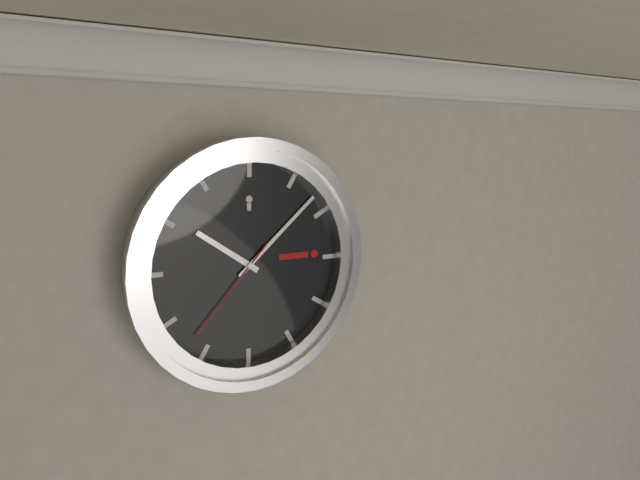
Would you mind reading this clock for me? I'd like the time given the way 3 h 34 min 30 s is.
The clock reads 10 h 08 min 37 s
